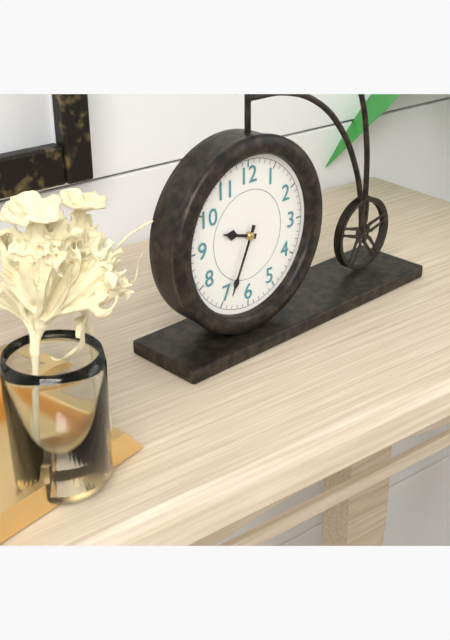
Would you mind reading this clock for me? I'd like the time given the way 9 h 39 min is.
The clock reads 9 h 34 min
